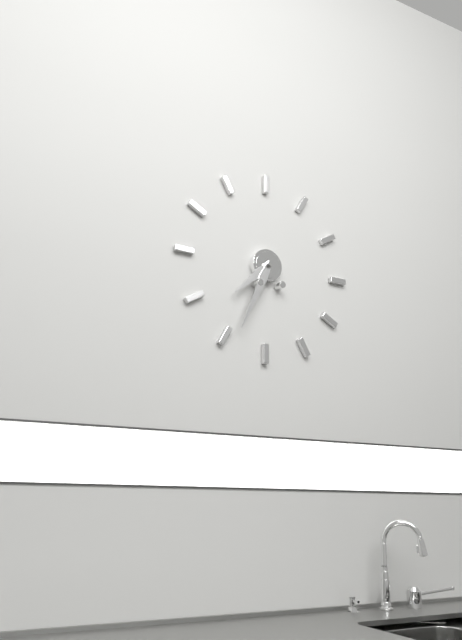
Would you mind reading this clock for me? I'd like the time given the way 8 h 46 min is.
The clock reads 7 h 34 min
